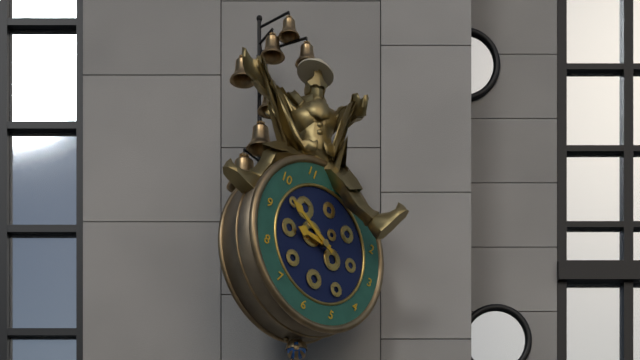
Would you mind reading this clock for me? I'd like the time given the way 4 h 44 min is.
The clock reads 8 h 48 min
